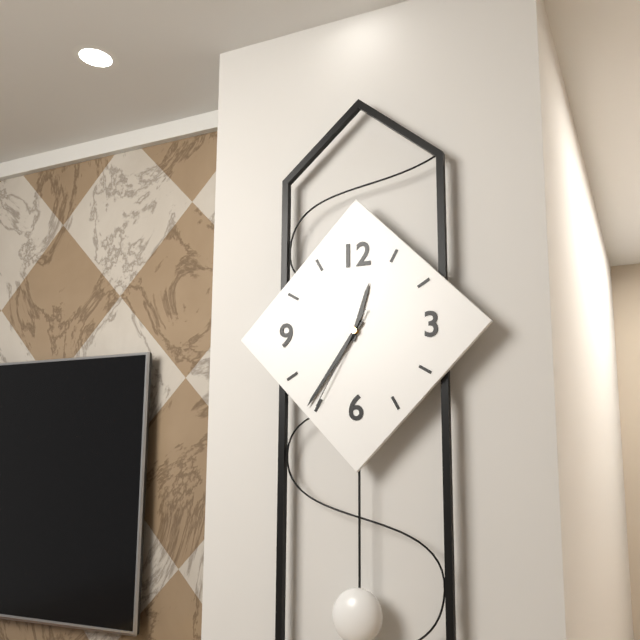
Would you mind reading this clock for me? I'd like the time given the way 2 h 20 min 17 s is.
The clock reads 12 h 36 min 35 s
